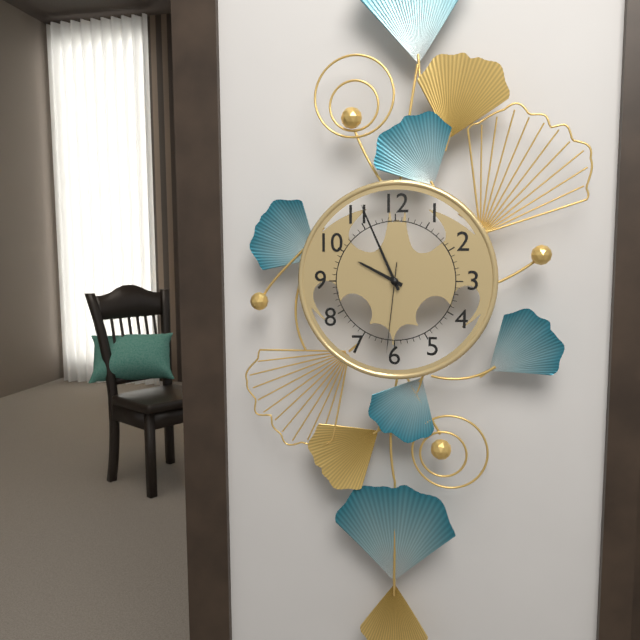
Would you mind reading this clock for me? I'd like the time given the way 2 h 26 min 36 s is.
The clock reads 9 h 56 min 31 s
